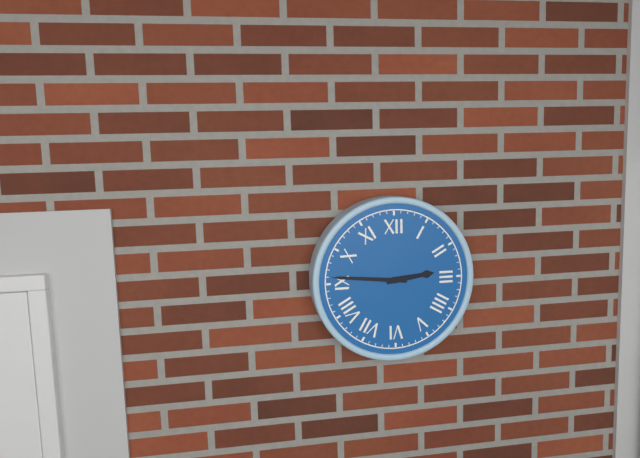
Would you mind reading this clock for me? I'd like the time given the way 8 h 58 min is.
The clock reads 2 h 46 min
